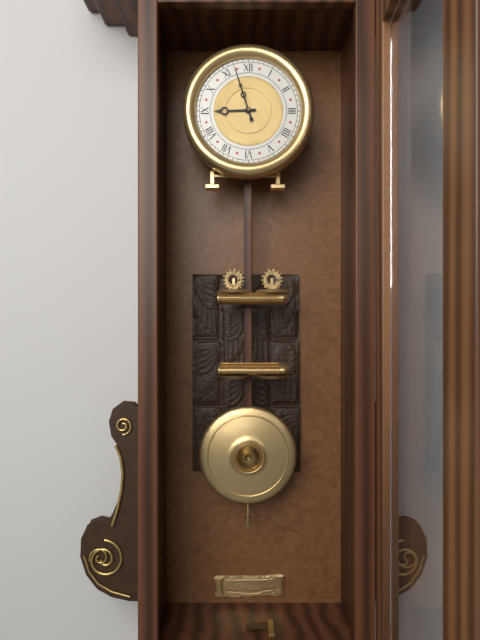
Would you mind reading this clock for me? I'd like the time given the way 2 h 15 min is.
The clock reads 8 h 57 min
